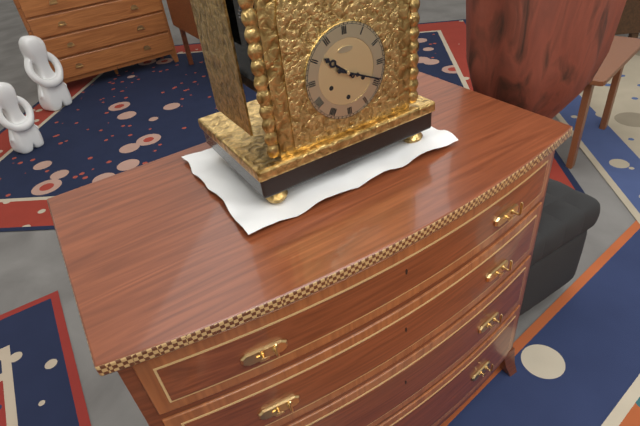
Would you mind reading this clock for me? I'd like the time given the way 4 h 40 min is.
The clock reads 10 h 19 min
